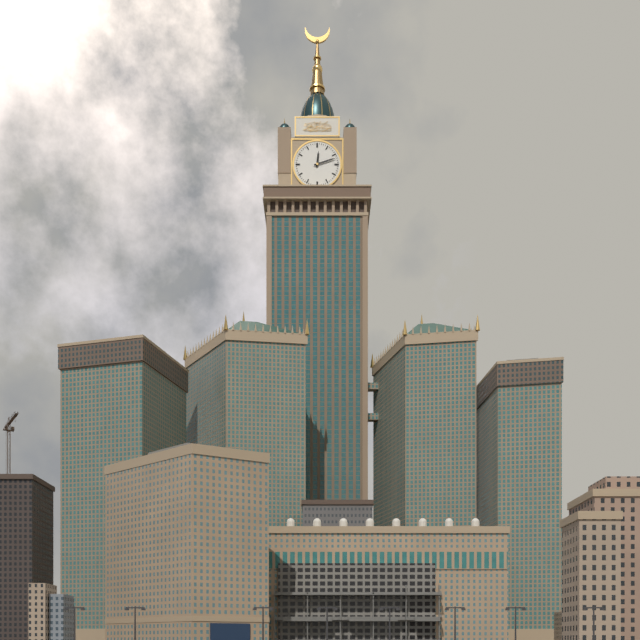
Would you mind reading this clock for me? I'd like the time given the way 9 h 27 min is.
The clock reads 12 h 12 min
